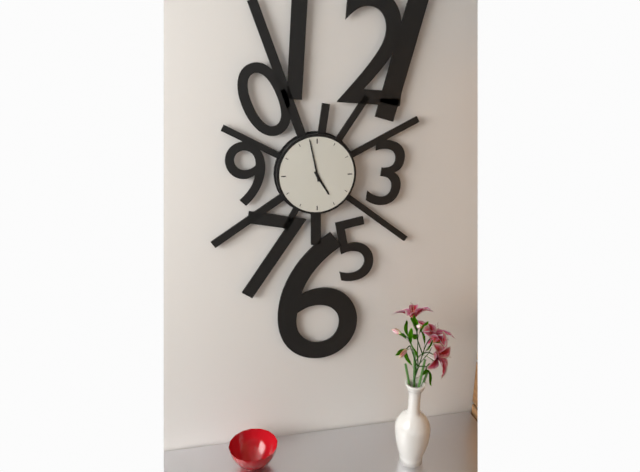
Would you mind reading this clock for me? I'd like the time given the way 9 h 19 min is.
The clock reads 4 h 58 min
